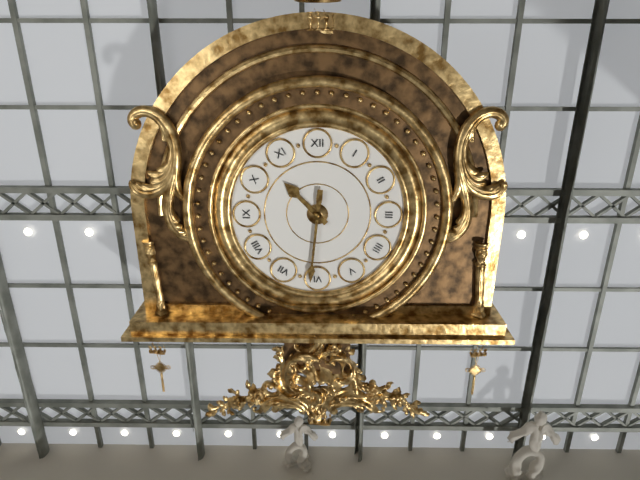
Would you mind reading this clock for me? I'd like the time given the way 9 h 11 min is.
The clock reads 10 h 31 min
